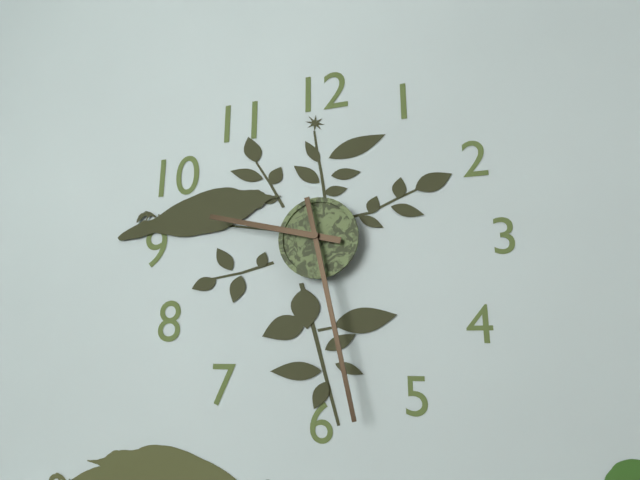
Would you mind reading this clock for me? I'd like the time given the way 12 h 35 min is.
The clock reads 9 h 28 min
